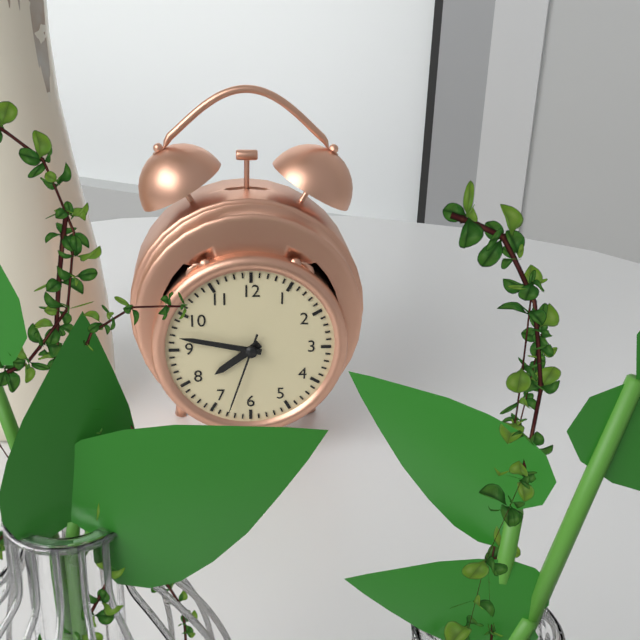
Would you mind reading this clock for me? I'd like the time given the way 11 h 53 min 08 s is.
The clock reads 7 h 47 min 33 s
